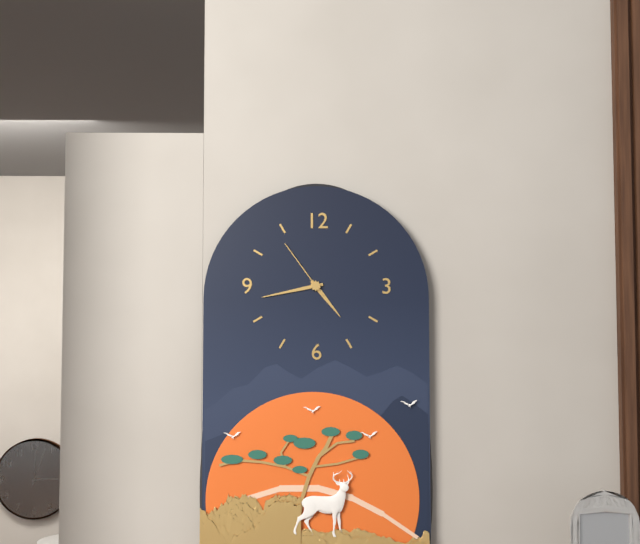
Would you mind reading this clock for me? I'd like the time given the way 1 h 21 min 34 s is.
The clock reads 4 h 43 min 54 s
